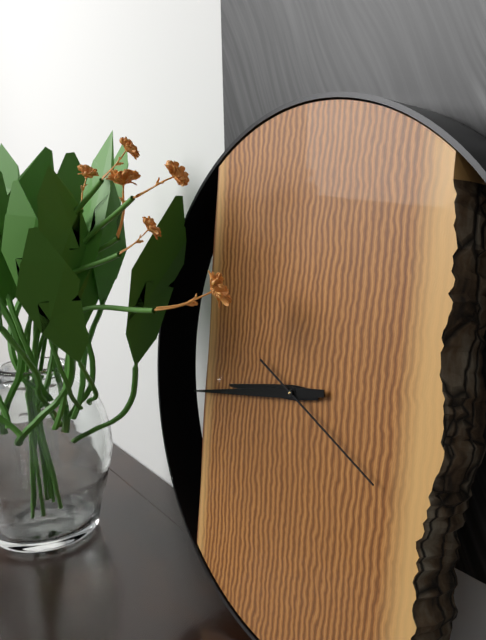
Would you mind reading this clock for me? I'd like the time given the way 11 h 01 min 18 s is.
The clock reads 8 h 43 min 19 s
